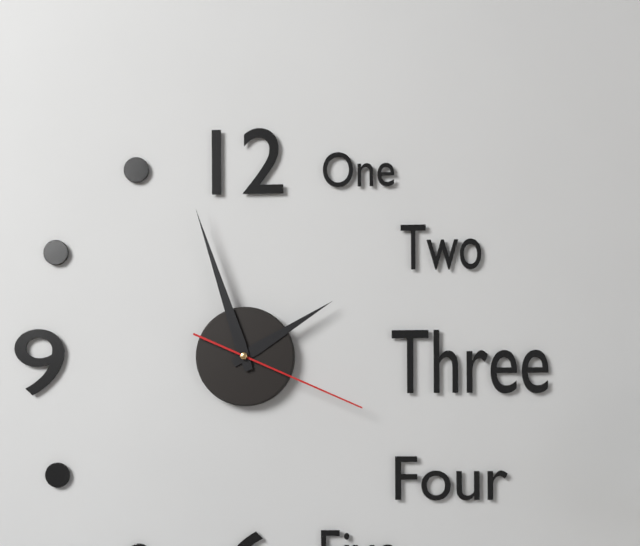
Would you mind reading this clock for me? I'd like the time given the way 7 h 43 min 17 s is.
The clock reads 1 h 57 min 19 s
